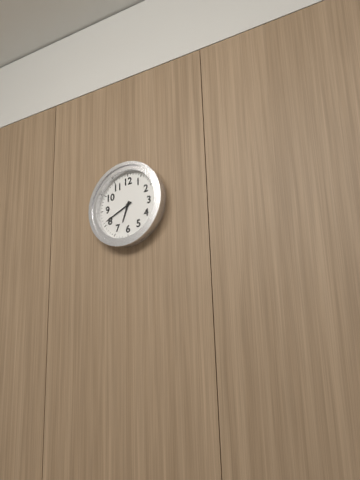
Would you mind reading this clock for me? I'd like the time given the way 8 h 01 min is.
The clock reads 6 h 41 min
